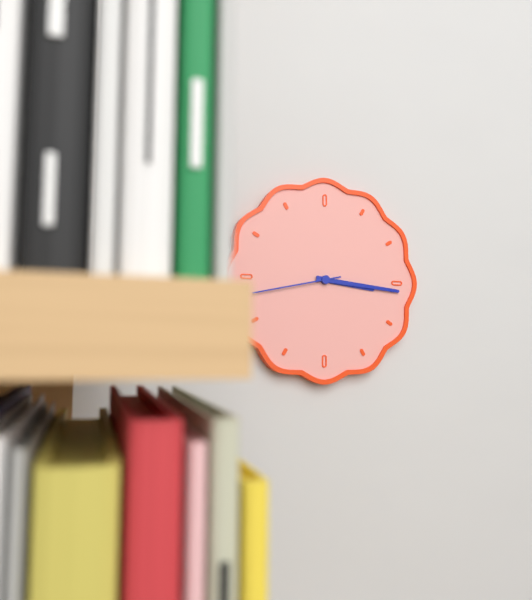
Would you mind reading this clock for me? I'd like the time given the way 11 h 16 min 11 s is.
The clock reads 3 h 16 min 43 s
